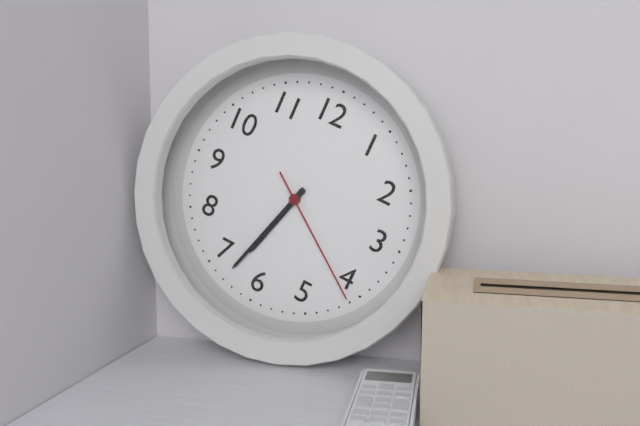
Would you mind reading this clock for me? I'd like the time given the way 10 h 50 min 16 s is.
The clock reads 6 h 33 min 21 s
